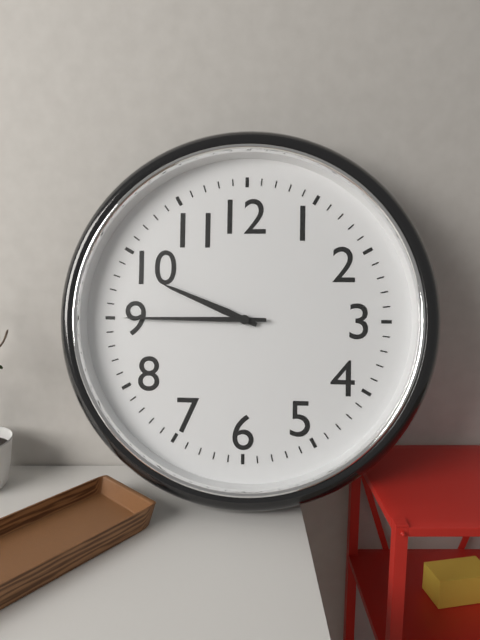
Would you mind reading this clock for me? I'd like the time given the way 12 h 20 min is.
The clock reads 9 h 45 min
